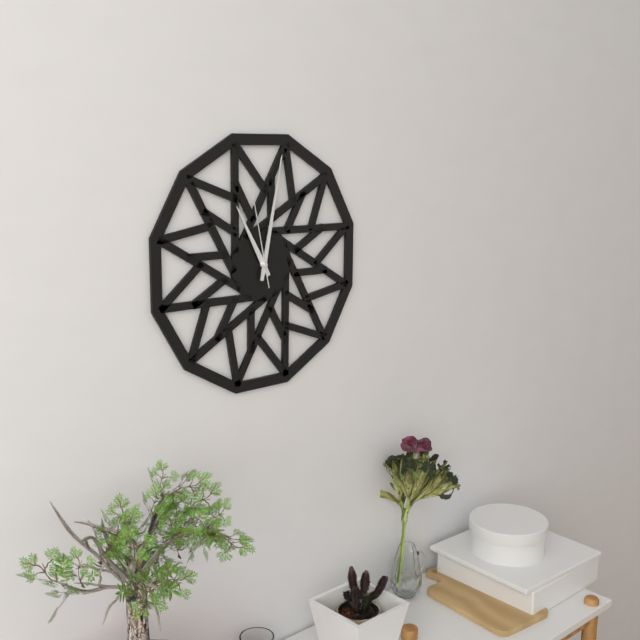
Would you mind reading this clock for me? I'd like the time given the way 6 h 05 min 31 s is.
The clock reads 11 h 02 min 58 s
